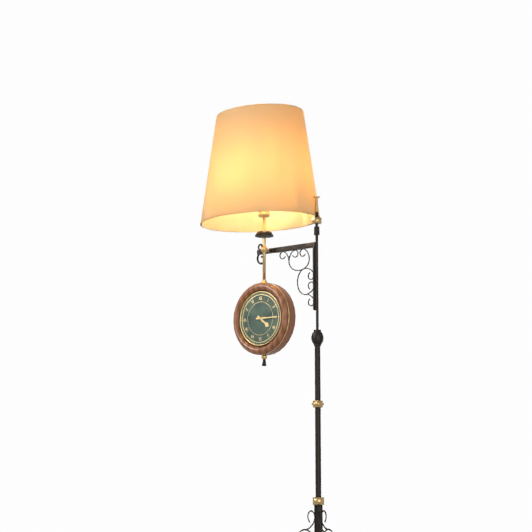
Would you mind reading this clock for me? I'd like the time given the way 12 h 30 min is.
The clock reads 4 h 15 min
